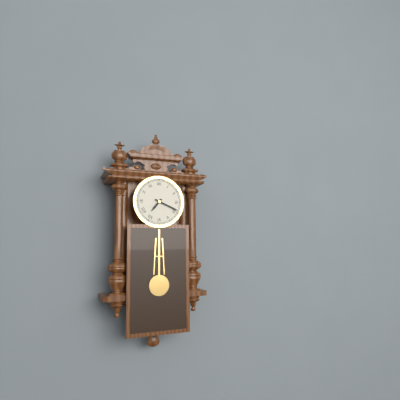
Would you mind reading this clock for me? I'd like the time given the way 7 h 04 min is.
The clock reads 7 h 19 min
